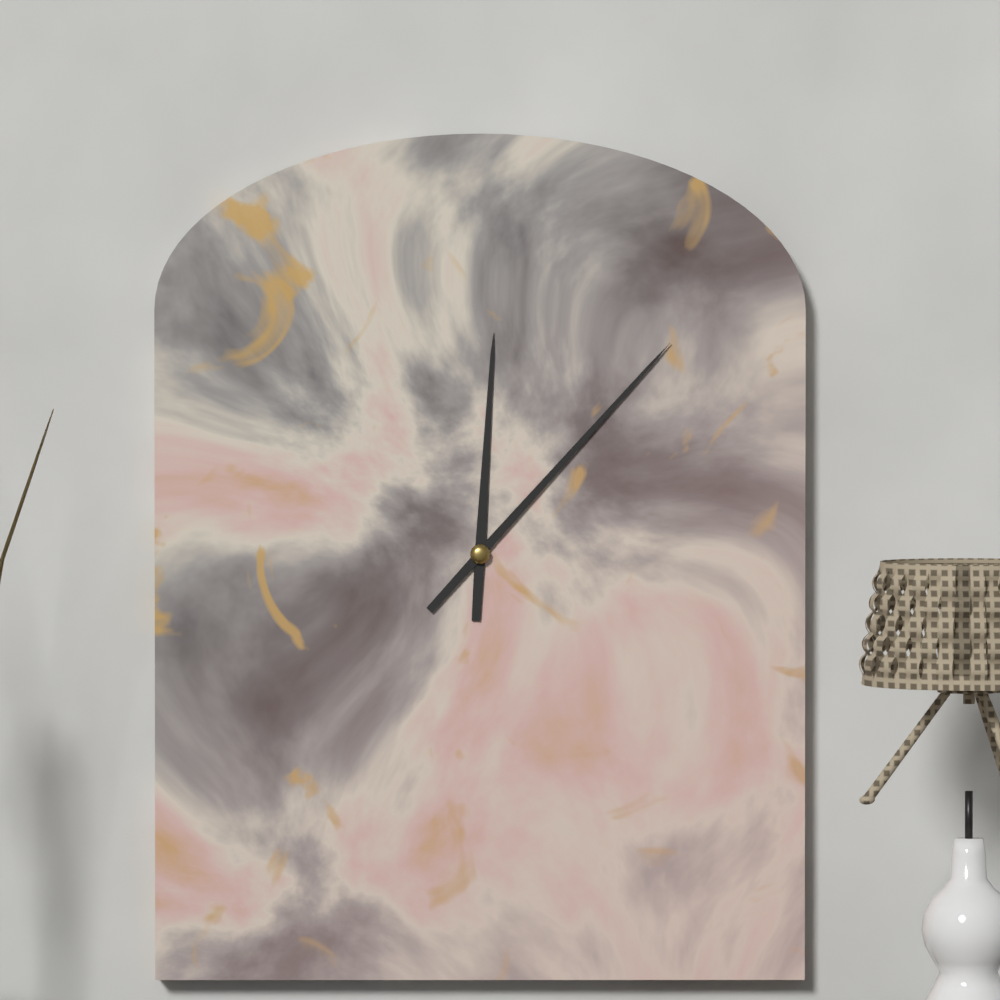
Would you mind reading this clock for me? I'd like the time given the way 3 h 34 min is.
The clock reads 12 h 07 min
